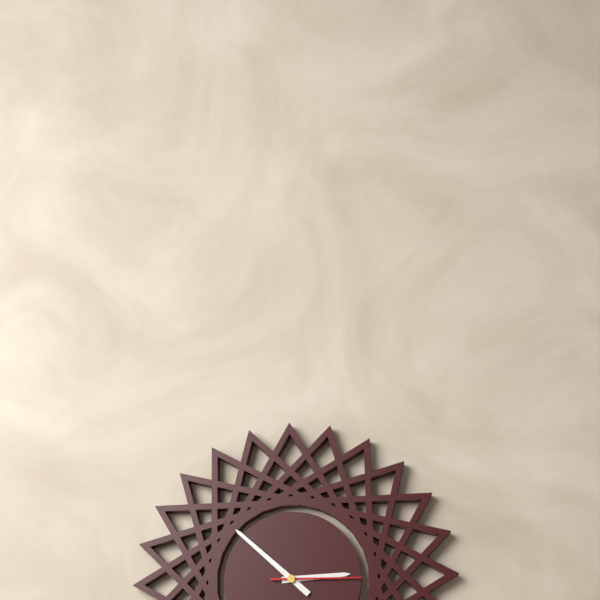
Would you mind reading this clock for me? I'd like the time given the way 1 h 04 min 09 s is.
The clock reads 2 h 52 min 15 s
